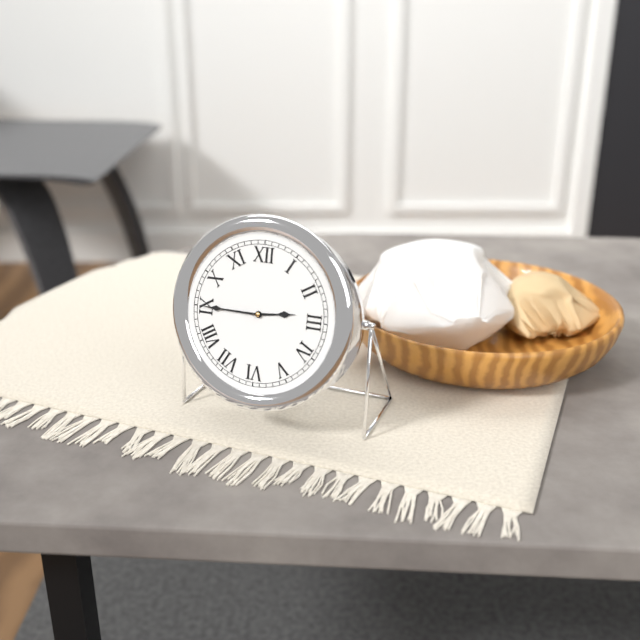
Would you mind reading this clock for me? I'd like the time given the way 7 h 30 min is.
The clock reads 2 h 45 min
